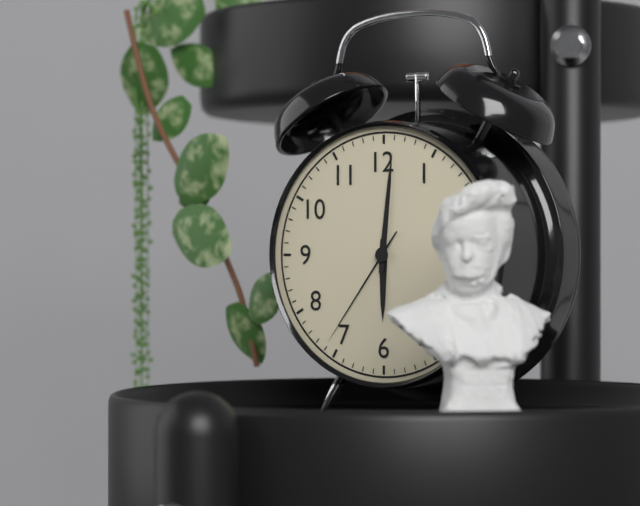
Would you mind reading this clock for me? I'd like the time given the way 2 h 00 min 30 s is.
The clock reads 6 h 01 min 36 s
